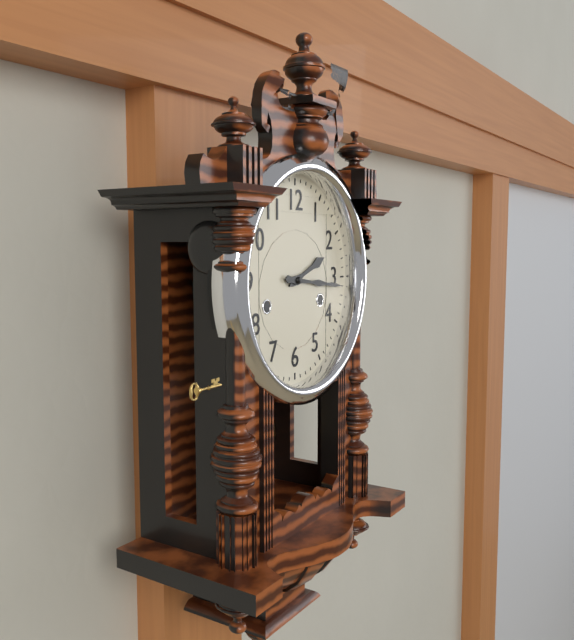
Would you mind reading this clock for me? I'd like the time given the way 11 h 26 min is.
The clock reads 2 h 16 min
